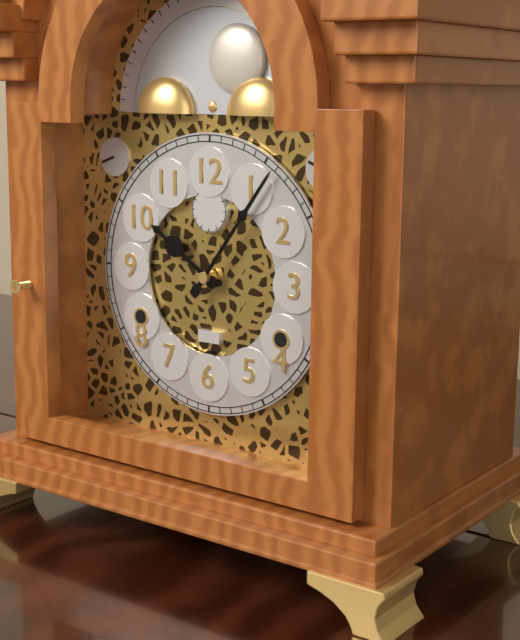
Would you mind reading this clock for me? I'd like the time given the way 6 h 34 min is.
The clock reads 10 h 06 min
